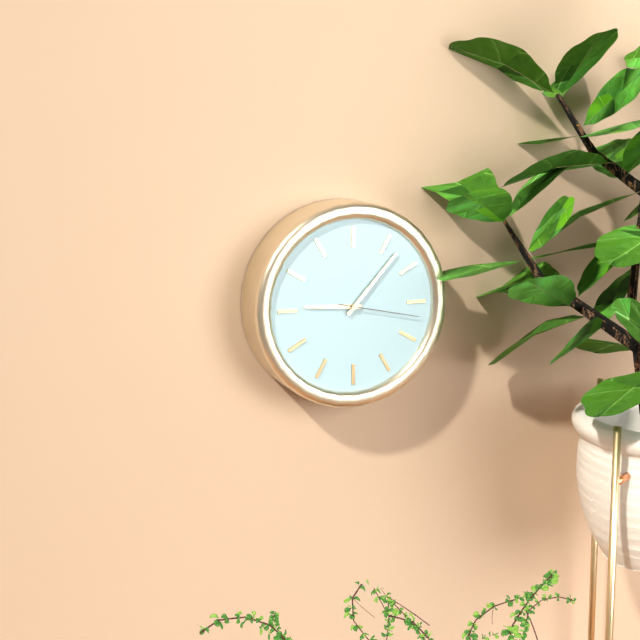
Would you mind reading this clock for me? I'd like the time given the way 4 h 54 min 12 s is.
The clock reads 9 h 07 min 17 s
